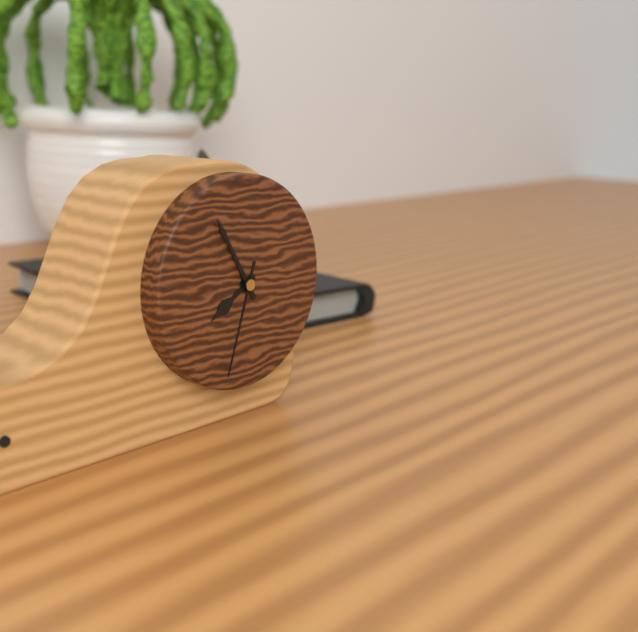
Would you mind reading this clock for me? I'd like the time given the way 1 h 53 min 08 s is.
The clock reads 7 h 55 min 33 s
